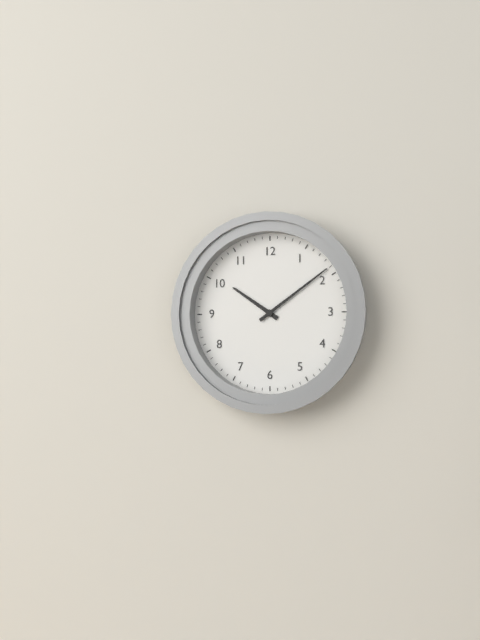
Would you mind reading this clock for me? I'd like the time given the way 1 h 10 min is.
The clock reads 10 h 09 min
